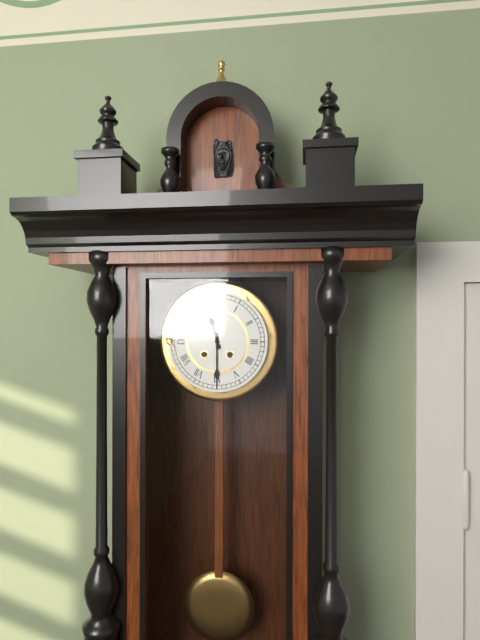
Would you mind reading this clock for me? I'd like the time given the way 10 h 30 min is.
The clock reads 11 h 30 min
